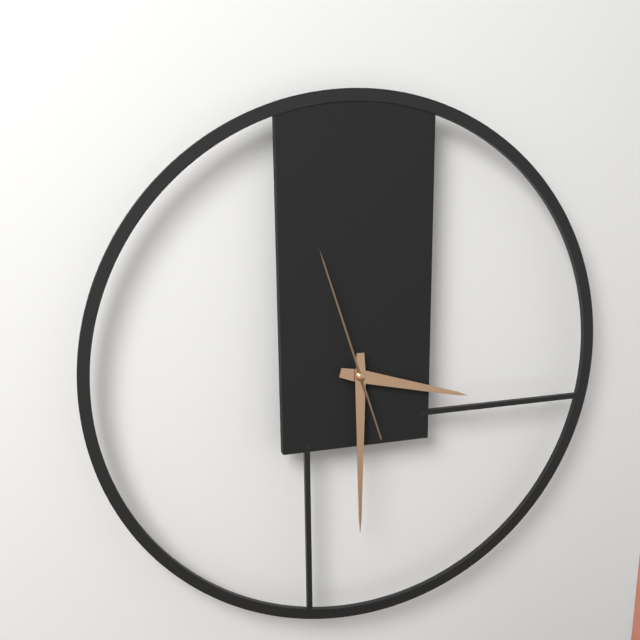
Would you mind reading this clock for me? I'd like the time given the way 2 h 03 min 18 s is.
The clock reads 3 h 30 min 57 s
